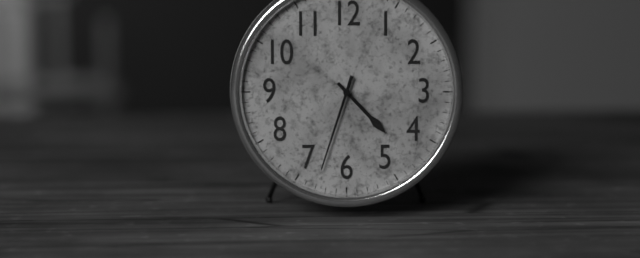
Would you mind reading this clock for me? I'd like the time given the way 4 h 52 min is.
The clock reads 4 h 33 min
